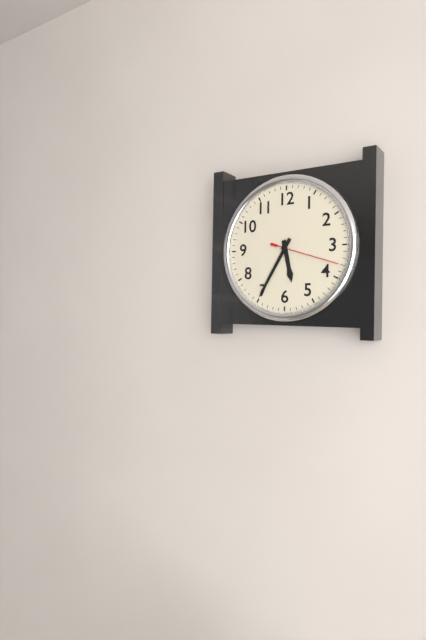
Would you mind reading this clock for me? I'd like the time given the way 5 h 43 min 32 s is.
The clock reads 5 h 35 min 18 s
